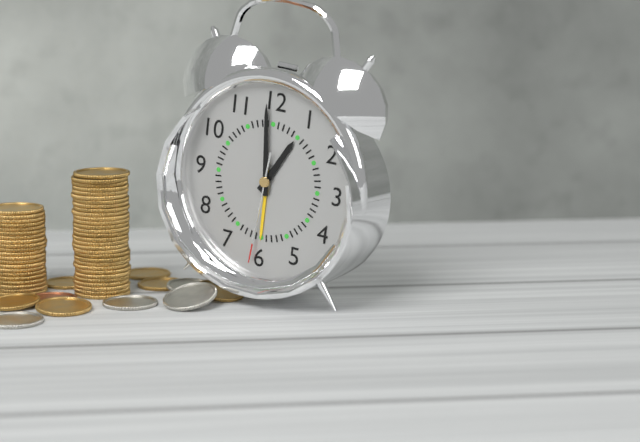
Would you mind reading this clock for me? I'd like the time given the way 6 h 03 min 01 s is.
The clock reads 12 h 59 min 31 s
